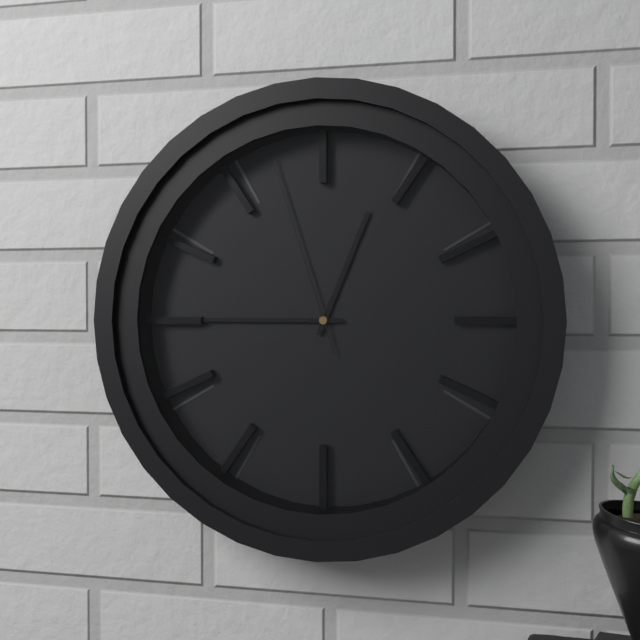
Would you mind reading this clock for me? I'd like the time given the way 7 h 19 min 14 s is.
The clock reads 12 h 45 min 57 s
